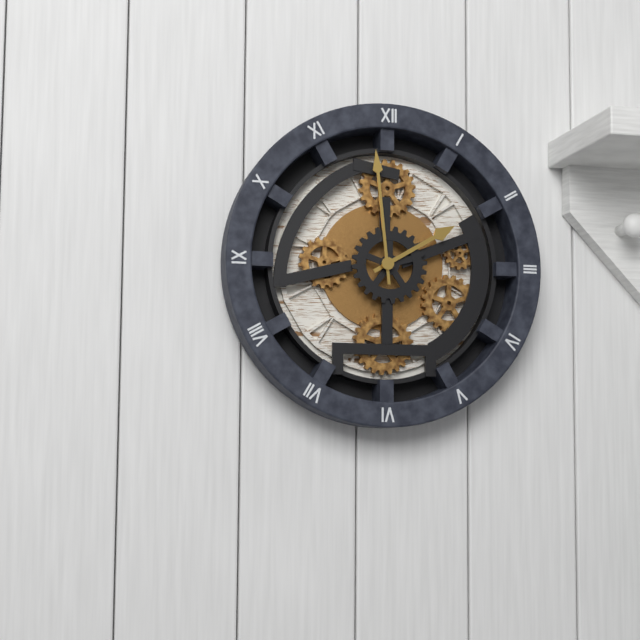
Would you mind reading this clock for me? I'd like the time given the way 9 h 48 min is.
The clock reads 1 h 59 min
